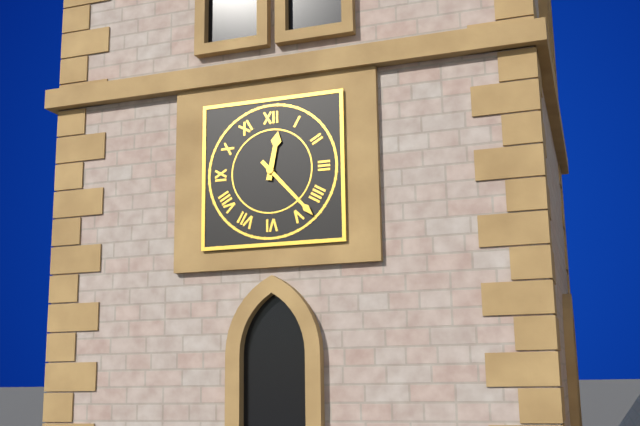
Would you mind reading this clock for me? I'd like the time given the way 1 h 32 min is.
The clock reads 12 h 23 min
